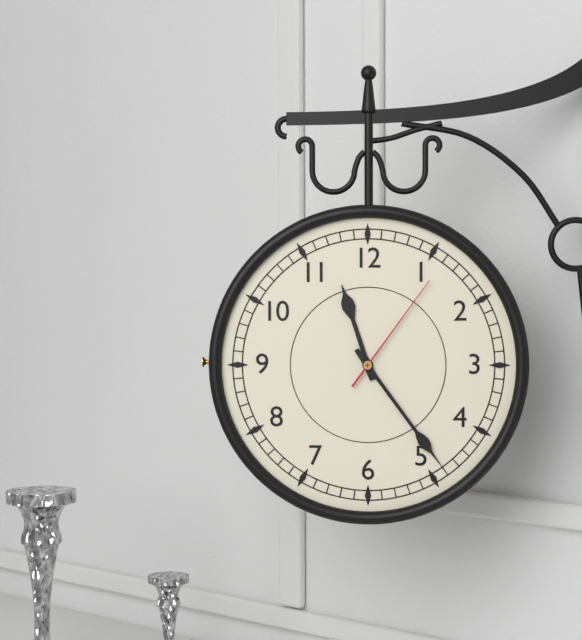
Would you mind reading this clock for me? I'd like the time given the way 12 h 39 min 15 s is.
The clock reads 11 h 24 min 06 s
